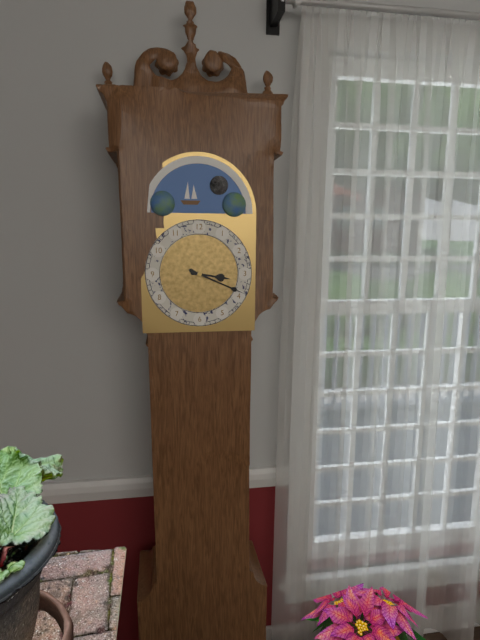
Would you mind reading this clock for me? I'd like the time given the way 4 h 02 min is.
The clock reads 3 h 19 min
